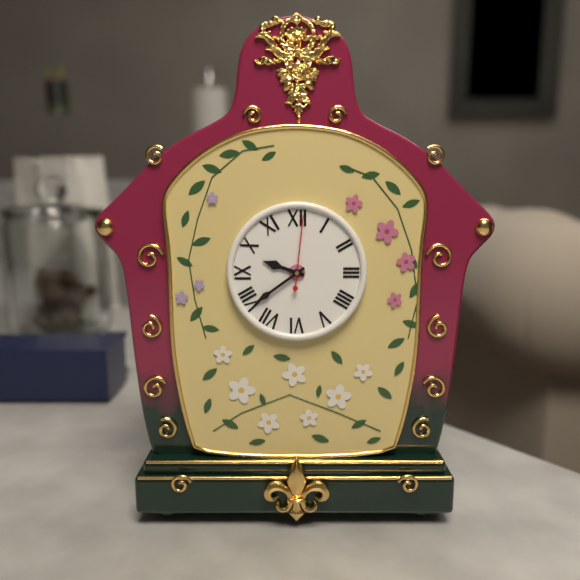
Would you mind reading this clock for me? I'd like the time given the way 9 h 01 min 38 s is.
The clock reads 9 h 39 min 01 s
